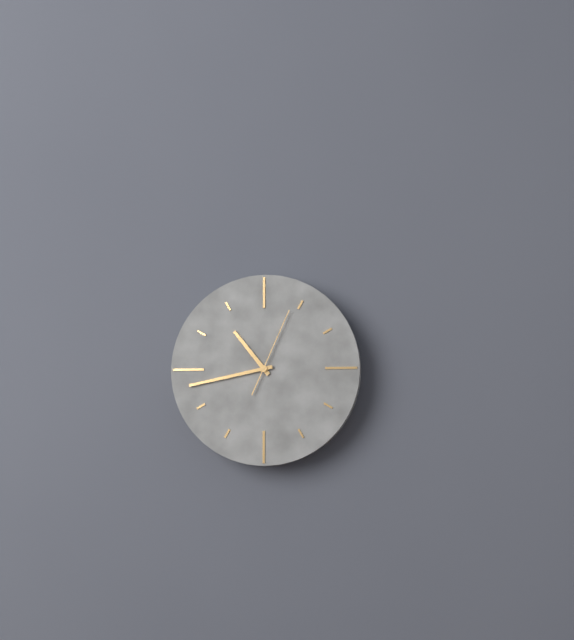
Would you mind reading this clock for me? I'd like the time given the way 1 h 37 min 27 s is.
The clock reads 10 h 43 min 04 s
